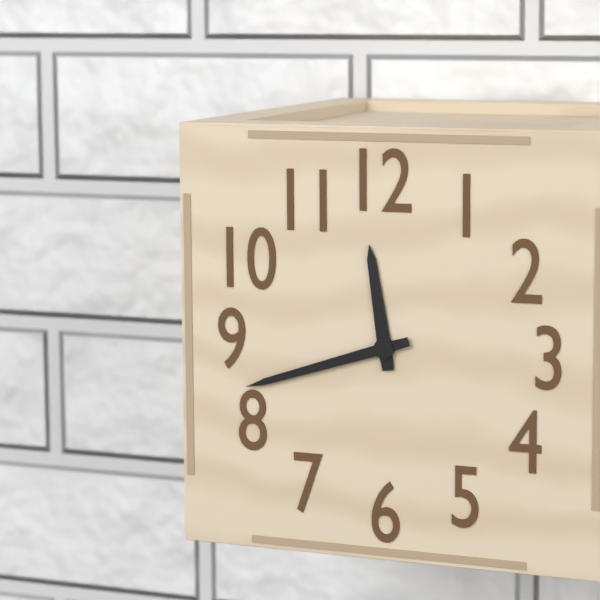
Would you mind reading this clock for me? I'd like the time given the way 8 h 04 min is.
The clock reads 11 h 42 min
